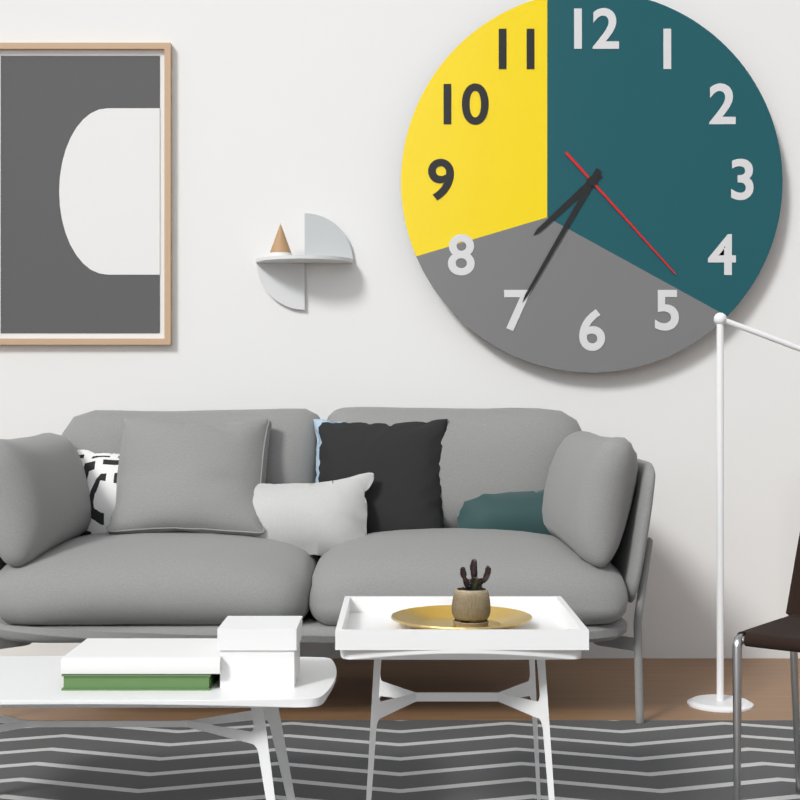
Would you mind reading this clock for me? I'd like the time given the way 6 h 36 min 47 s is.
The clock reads 7 h 35 min 23 s
